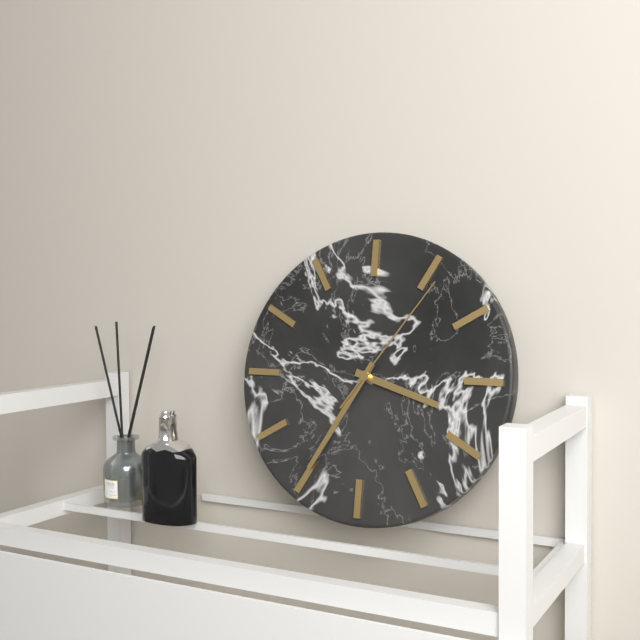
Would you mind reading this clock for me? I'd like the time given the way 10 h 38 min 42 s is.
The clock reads 3 h 35 min 06 s
